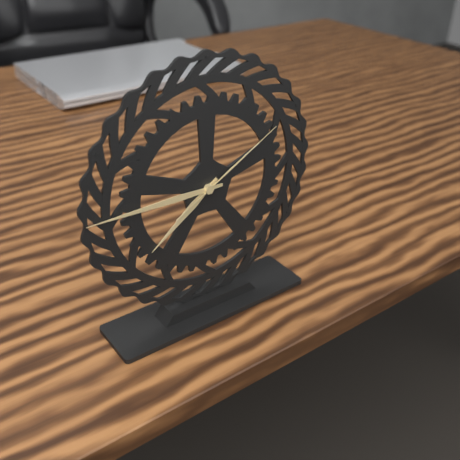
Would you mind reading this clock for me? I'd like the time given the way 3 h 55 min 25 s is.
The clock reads 7 h 45 min 10 s
